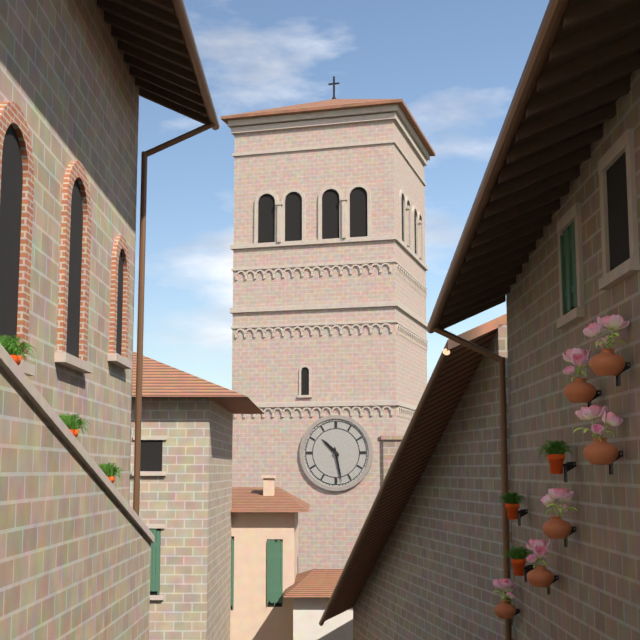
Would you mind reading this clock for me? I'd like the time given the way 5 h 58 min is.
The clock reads 10 h 28 min
